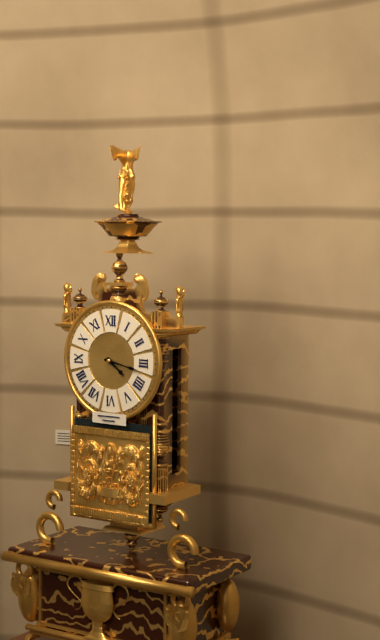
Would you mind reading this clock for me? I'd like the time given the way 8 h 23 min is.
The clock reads 4 h 17 min
